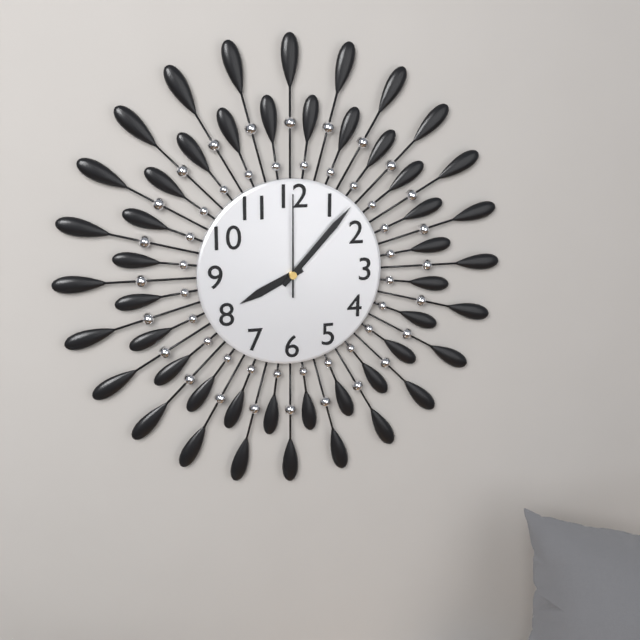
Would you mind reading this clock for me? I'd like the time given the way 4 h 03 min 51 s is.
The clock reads 8 h 07 min 00 s
